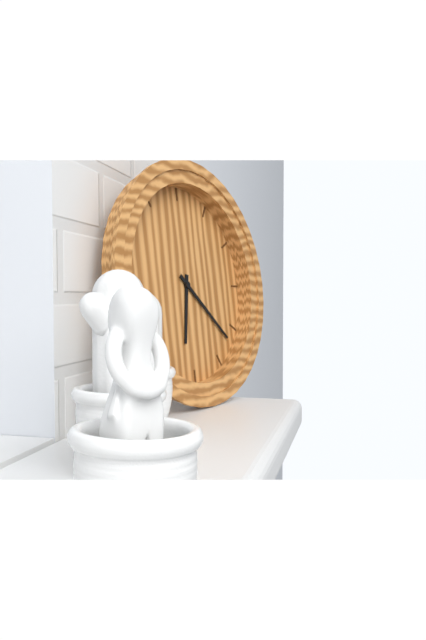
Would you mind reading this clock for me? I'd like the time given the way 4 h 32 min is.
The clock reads 6 h 22 min
